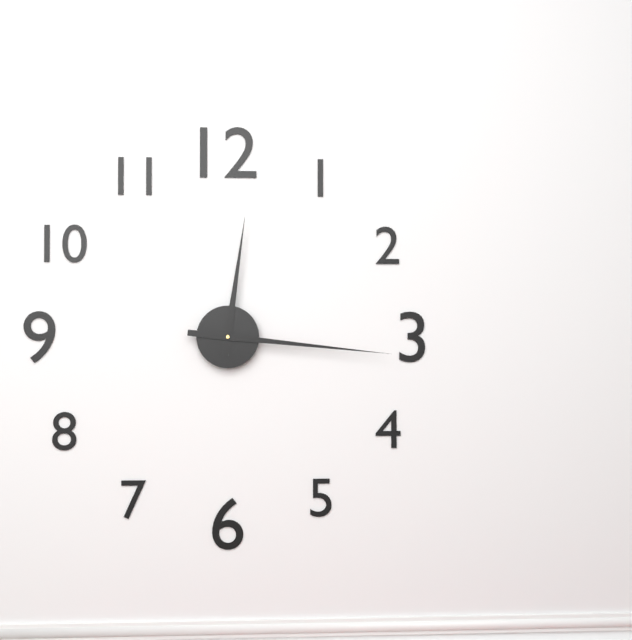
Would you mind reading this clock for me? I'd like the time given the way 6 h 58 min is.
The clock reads 12 h 16 min
